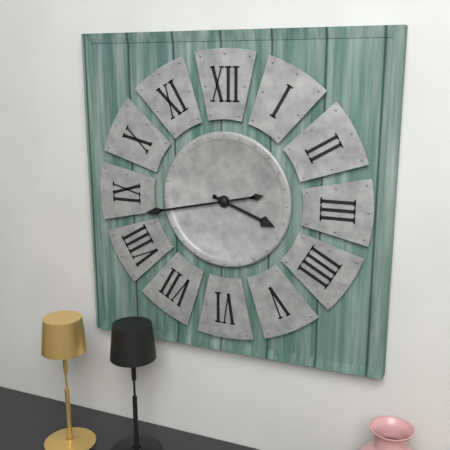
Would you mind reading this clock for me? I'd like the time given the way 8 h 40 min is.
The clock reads 3 h 43 min
